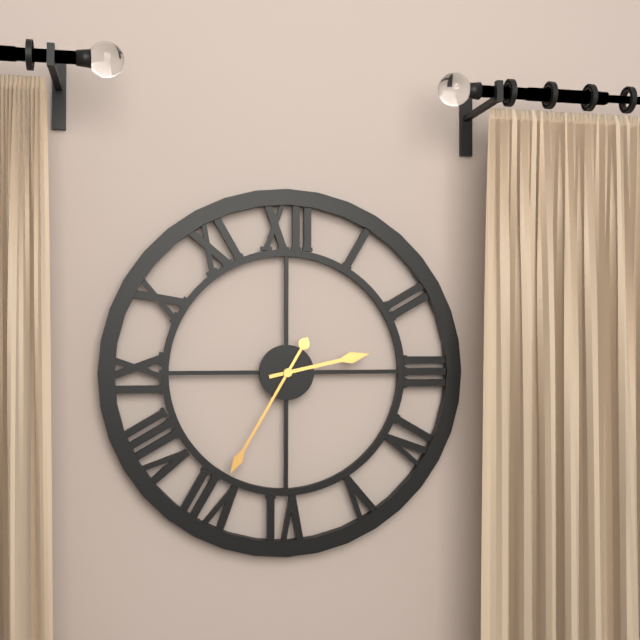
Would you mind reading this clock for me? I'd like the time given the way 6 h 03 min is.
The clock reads 2 h 35 min
